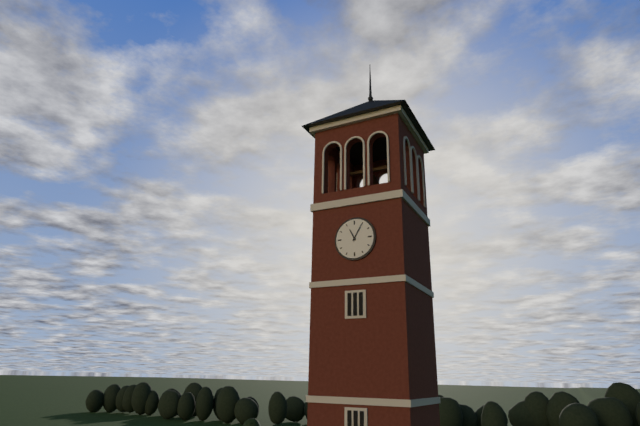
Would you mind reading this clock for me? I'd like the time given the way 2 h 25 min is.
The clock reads 11 h 05 min
